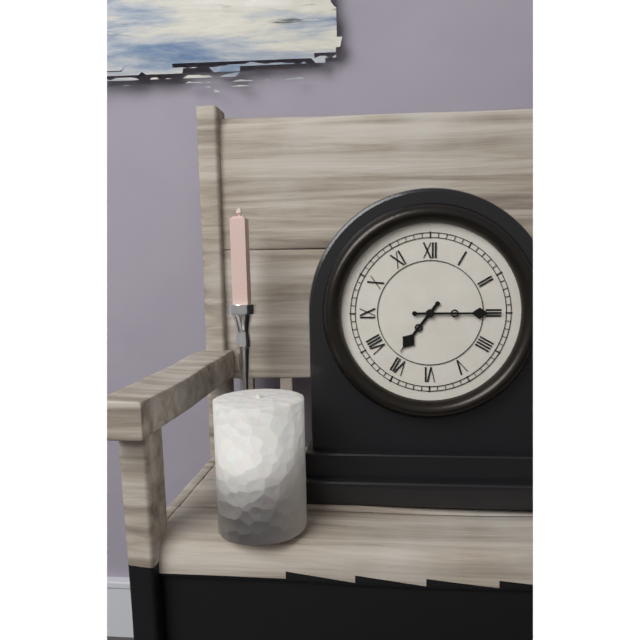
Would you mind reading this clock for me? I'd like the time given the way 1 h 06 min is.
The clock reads 7 h 15 min
